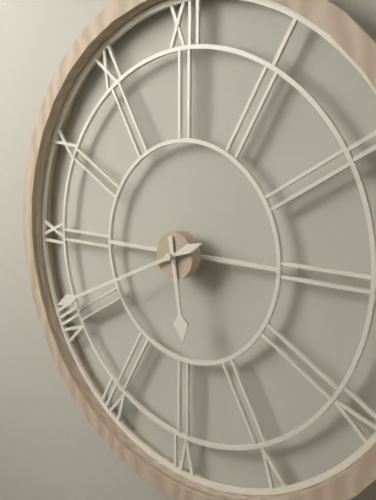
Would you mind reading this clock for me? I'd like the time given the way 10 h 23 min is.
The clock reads 5 h 41 min
